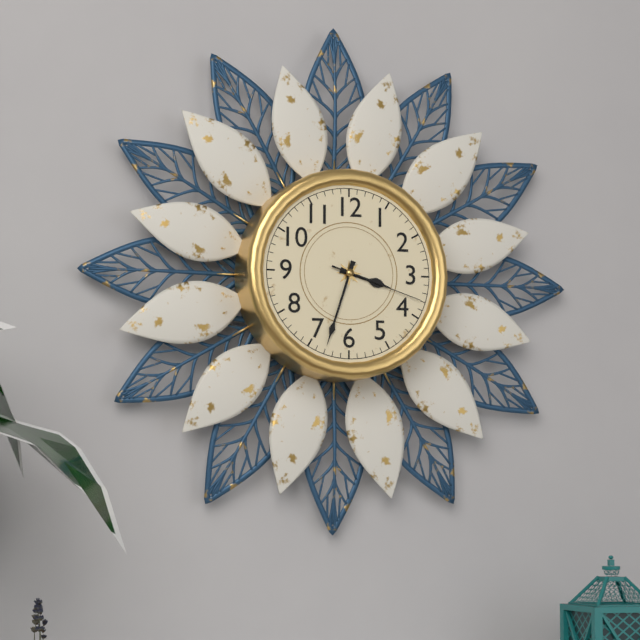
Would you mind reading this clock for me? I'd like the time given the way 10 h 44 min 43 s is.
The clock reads 3 h 33 min 18 s
